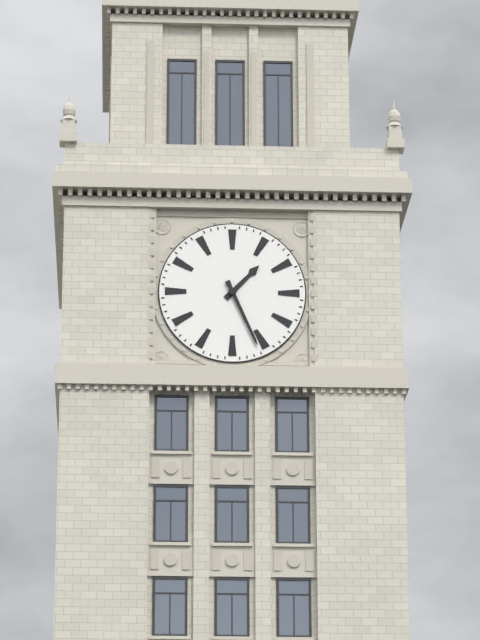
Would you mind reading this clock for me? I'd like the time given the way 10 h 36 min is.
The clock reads 1 h 26 min
